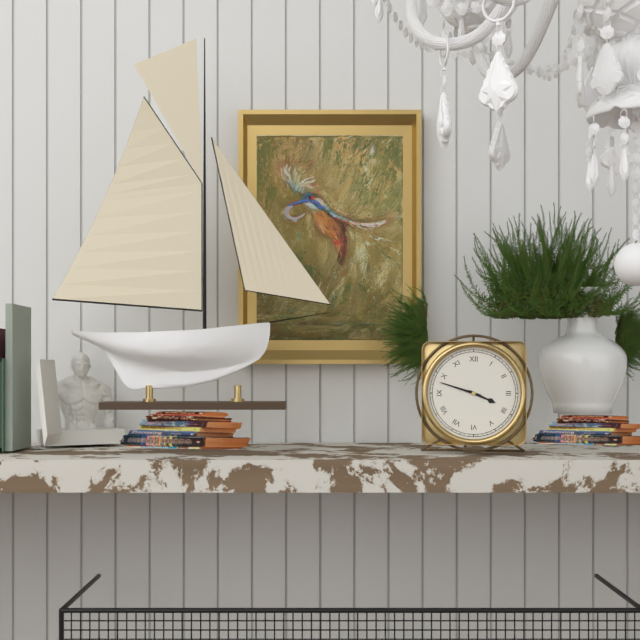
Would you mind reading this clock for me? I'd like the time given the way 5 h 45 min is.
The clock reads 3 h 48 min
